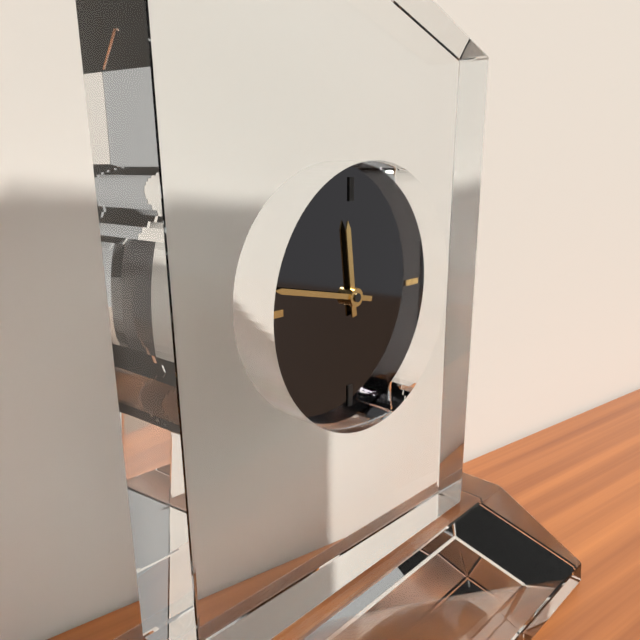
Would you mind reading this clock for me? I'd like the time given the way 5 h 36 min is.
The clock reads 11 h 47 min
